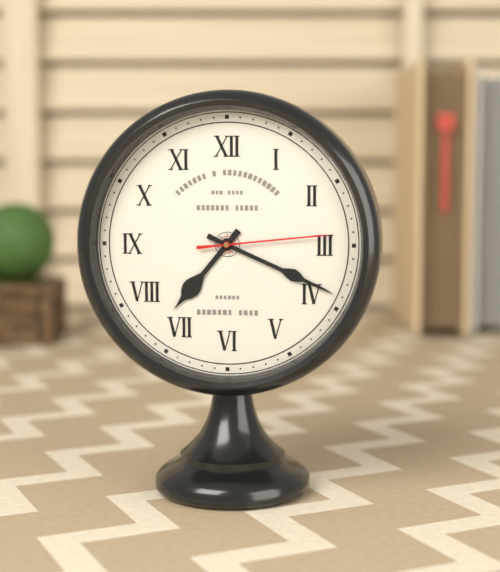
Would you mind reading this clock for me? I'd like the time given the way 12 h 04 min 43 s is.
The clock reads 7 h 19 min 14 s
